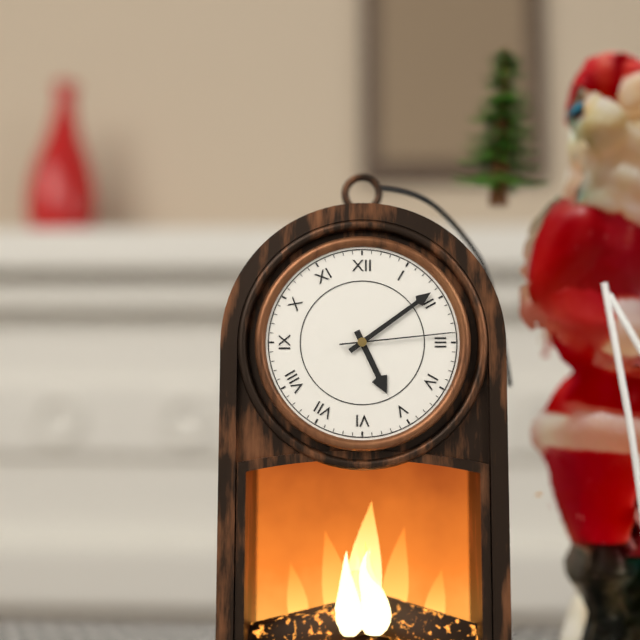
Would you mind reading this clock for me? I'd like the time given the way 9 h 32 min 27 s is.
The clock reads 5 h 09 min 14 s
